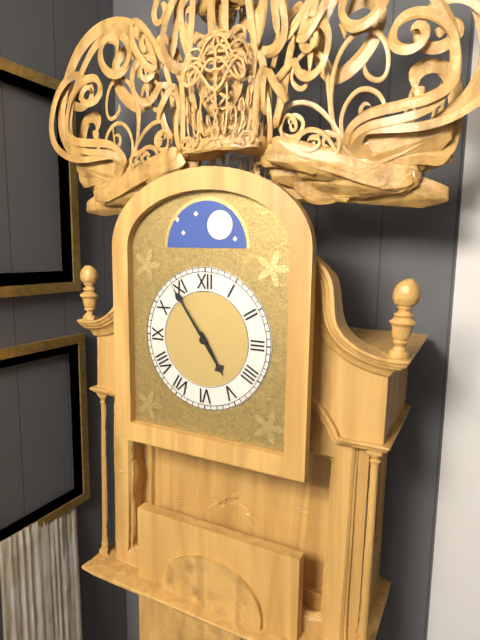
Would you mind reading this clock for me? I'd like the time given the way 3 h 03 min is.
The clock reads 4 h 54 min
